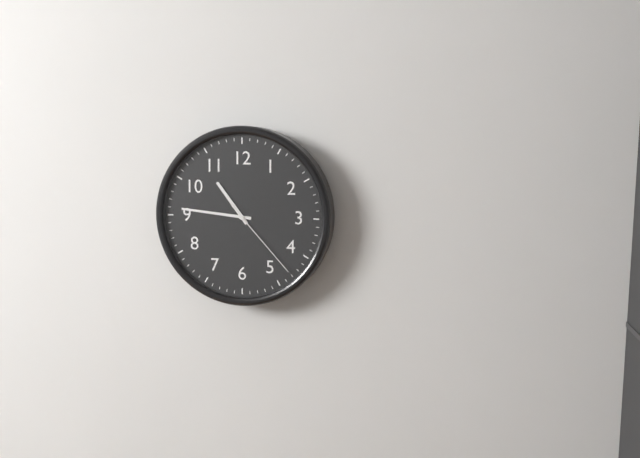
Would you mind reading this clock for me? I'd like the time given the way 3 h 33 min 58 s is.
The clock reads 10 h 46 min 23 s
